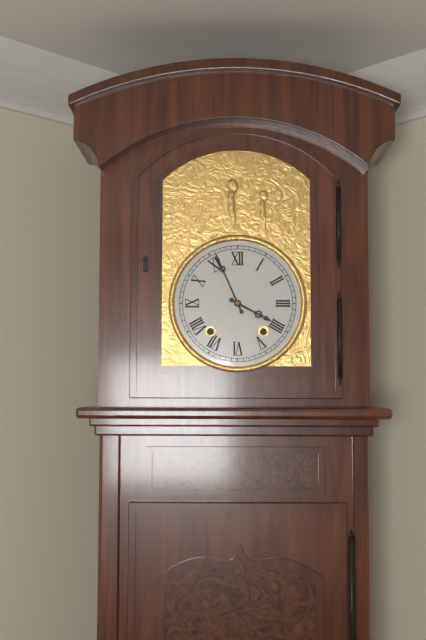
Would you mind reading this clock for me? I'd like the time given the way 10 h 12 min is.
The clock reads 3 h 56 min
